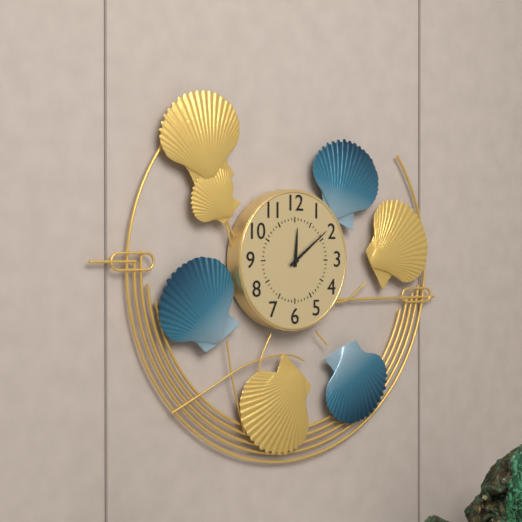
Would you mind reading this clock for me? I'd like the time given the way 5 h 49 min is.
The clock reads 12 h 09 min
